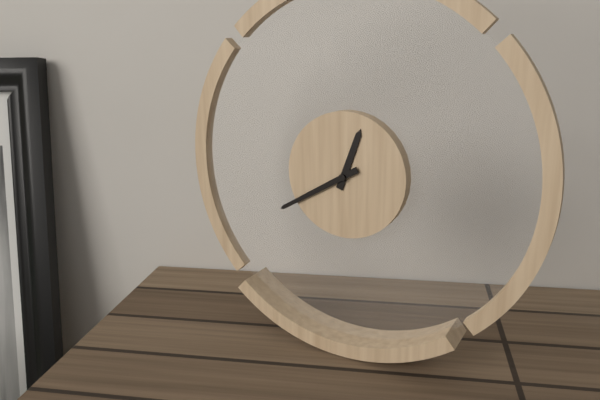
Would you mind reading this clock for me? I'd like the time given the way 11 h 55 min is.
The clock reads 12 h 40 min
